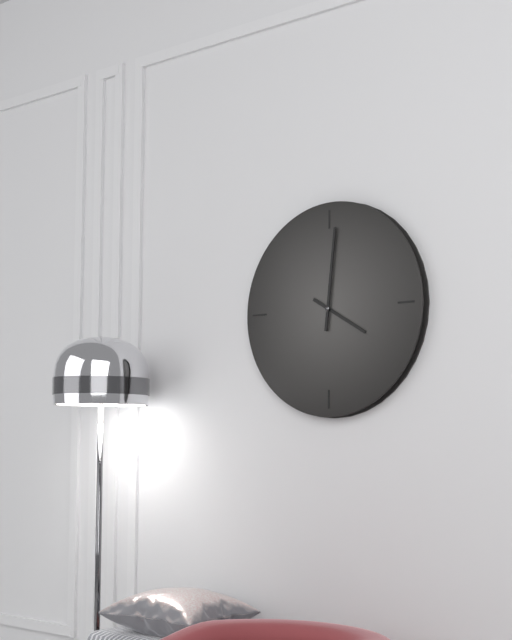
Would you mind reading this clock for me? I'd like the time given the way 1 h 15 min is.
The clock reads 4 h 01 min
